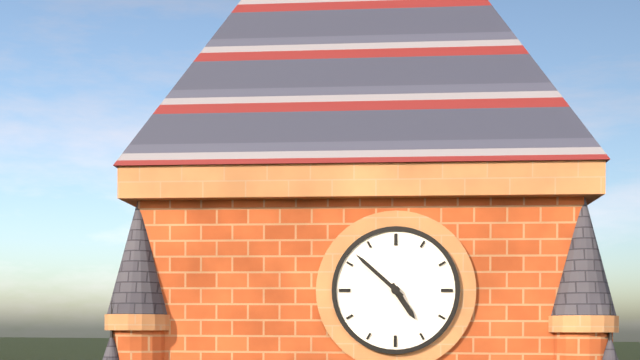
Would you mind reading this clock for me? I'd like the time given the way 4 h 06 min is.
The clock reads 4 h 52 min
